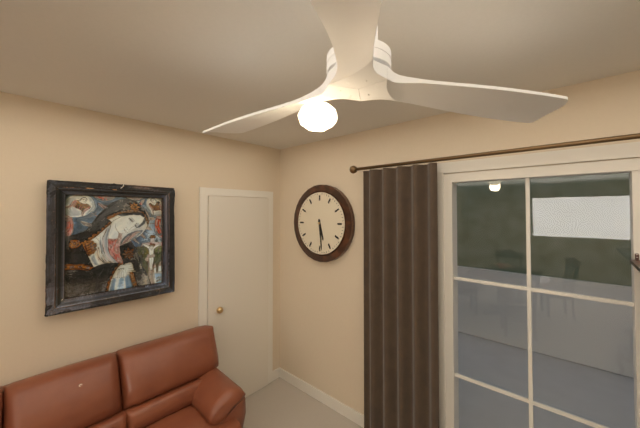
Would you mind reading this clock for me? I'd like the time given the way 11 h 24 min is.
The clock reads 5 h 29 min
